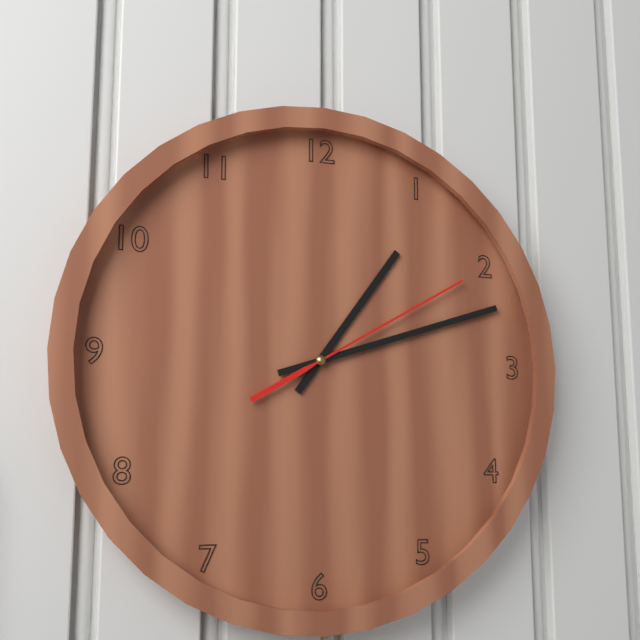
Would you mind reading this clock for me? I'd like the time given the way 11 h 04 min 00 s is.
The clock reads 1 h 12 min 10 s
